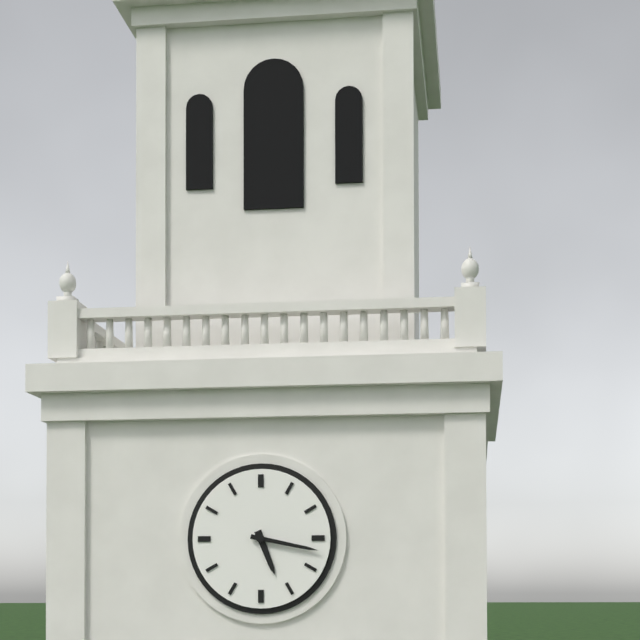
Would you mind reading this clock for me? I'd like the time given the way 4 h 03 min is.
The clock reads 5 h 17 min
